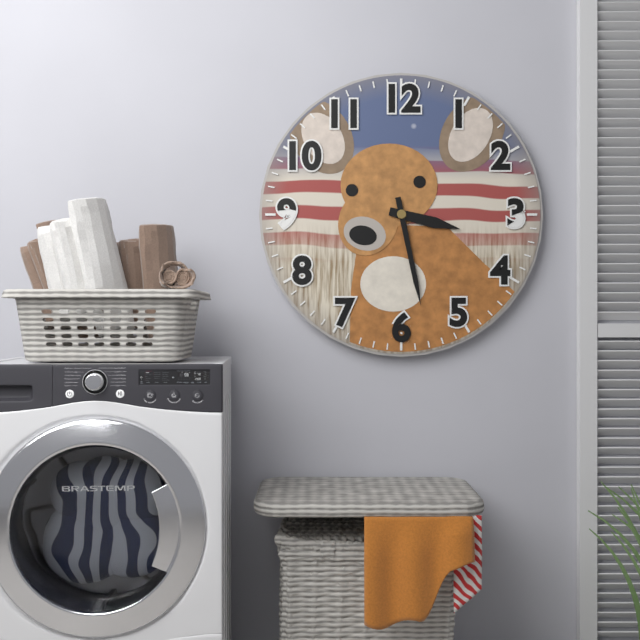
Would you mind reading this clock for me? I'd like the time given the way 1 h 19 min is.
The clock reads 3 h 28 min
